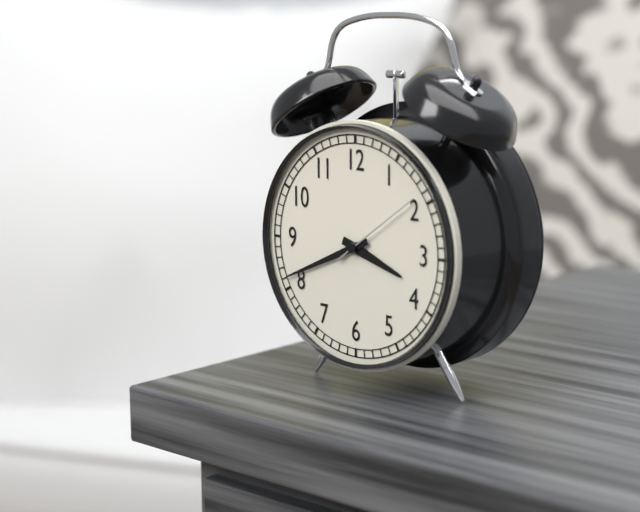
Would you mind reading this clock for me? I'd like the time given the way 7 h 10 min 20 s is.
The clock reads 3 h 41 min 09 s
